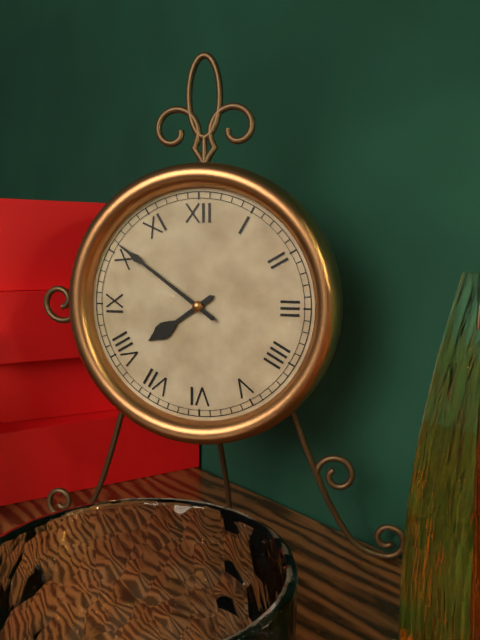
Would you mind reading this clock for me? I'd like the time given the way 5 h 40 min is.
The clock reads 7 h 51 min
